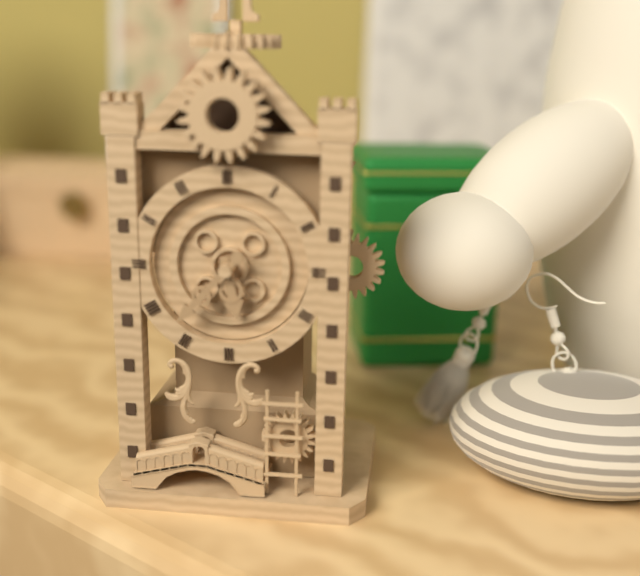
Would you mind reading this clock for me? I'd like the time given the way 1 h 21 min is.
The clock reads 5 h 37 min
